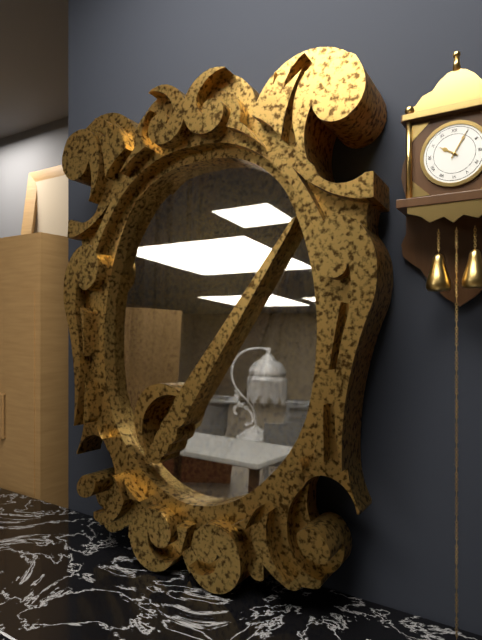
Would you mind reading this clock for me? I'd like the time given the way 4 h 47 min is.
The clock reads 10 h 05 min
